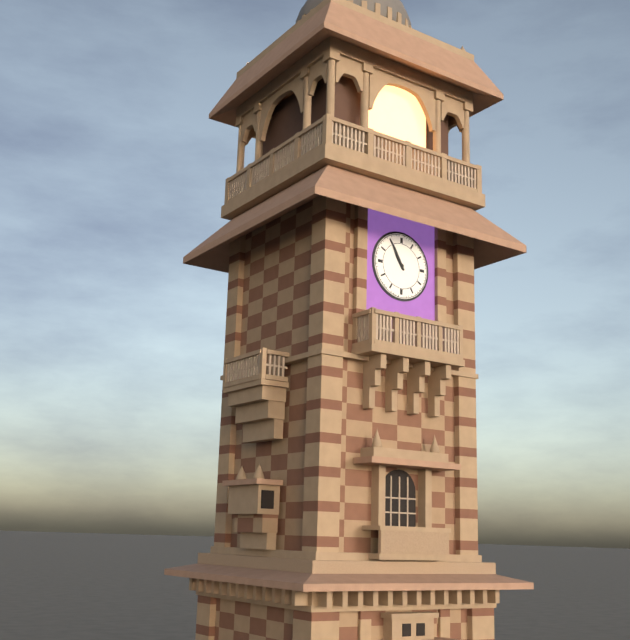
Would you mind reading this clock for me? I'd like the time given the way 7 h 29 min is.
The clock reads 10 h 55 min
